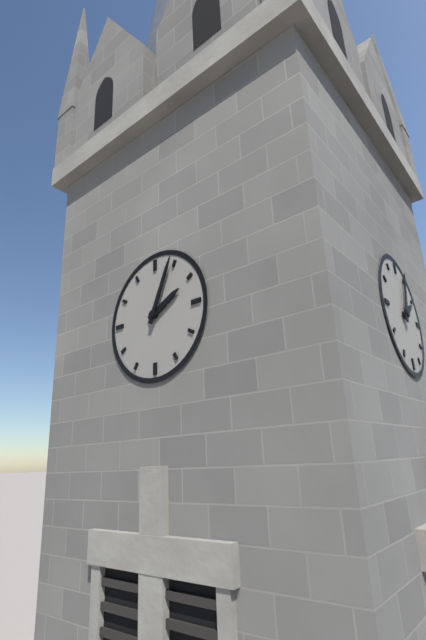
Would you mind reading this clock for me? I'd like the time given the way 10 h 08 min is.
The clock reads 2 h 04 min
